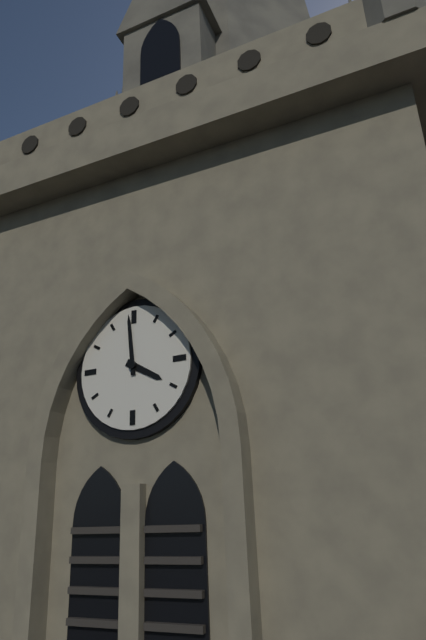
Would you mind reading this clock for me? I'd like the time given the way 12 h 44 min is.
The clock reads 3 h 59 min
